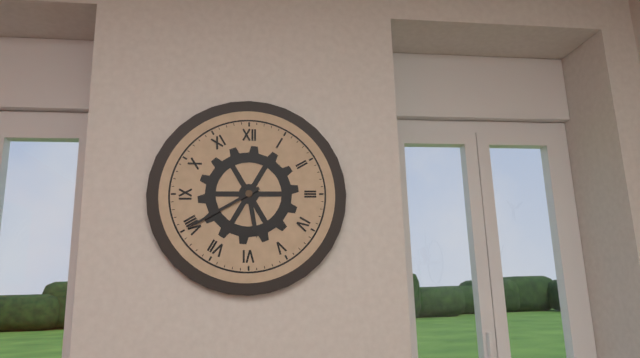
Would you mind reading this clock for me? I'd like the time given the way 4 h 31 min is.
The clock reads 5 h 40 min
